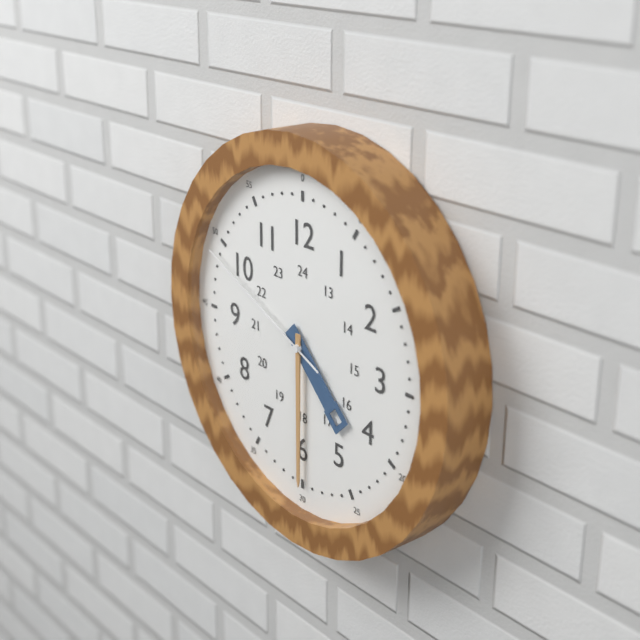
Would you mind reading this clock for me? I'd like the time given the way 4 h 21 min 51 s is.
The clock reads 4 h 30 min 49 s
